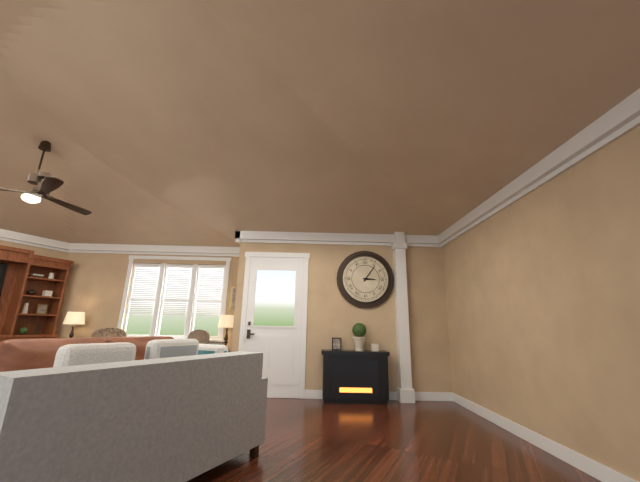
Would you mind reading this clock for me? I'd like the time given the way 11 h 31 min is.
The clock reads 3 h 06 min
